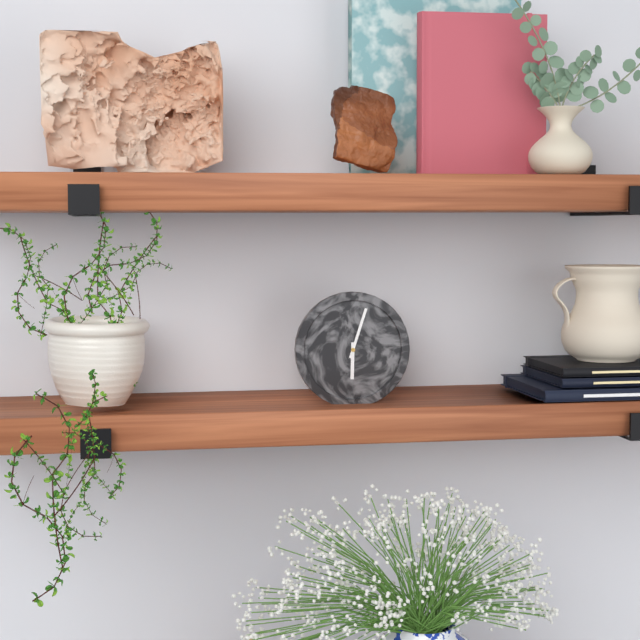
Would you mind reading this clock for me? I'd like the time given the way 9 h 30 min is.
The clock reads 6 h 03 min
